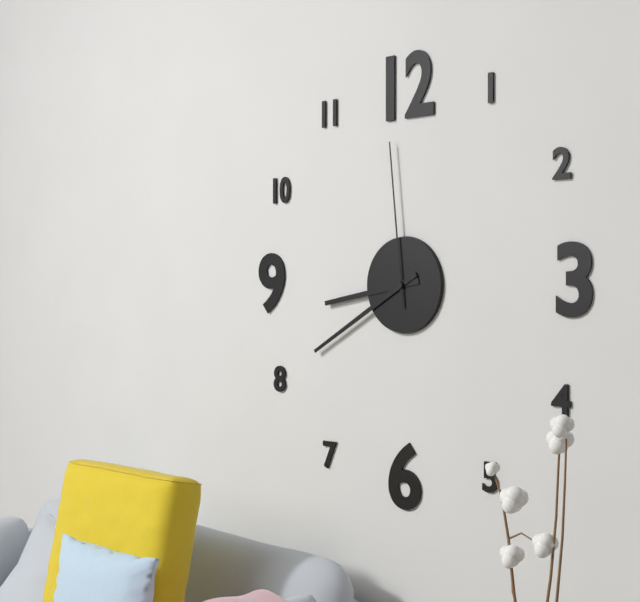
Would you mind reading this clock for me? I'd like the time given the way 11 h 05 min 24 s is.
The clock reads 8 h 40 min 59 s
